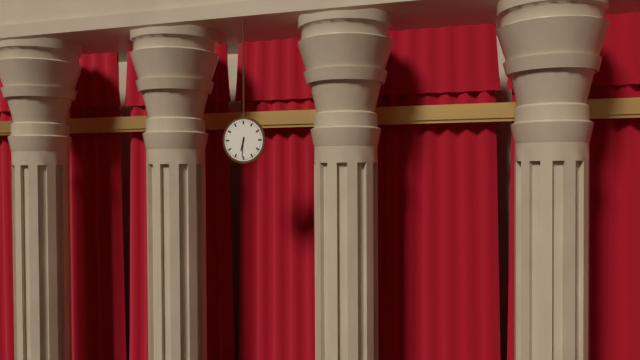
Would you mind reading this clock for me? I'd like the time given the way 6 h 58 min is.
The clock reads 6 h 31 min
